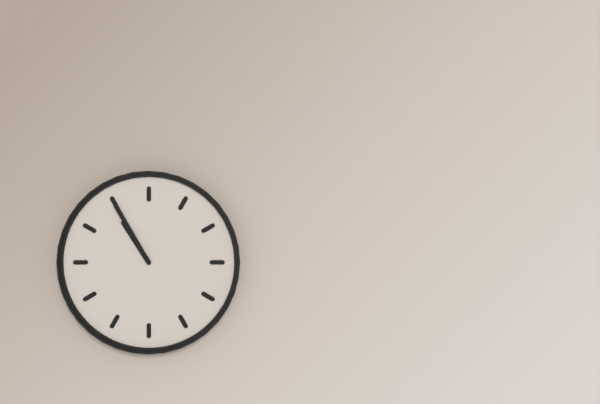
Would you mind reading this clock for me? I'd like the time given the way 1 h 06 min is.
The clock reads 10 h 55 min
